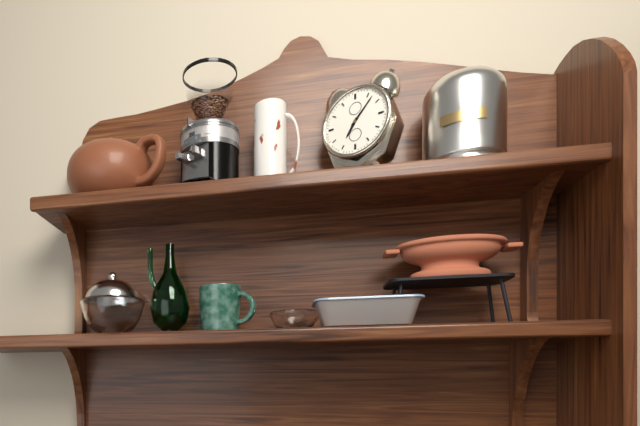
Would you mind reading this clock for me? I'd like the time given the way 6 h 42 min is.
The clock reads 7 h 07 min
